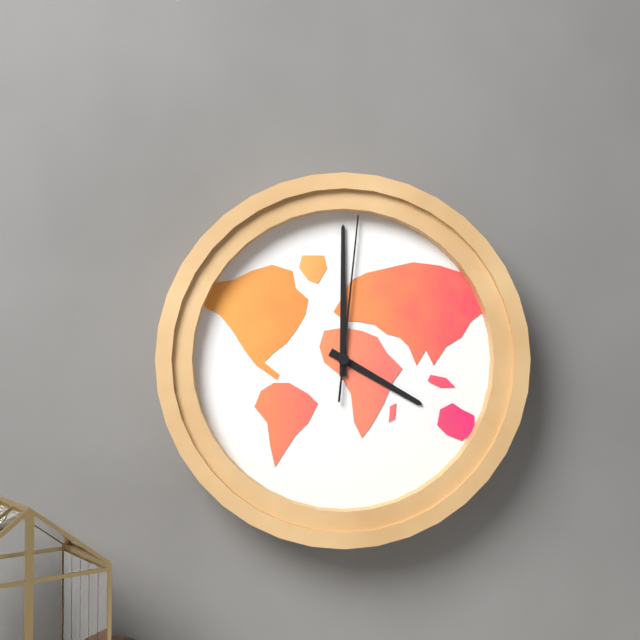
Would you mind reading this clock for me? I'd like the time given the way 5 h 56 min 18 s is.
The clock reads 4 h 00 min 01 s
